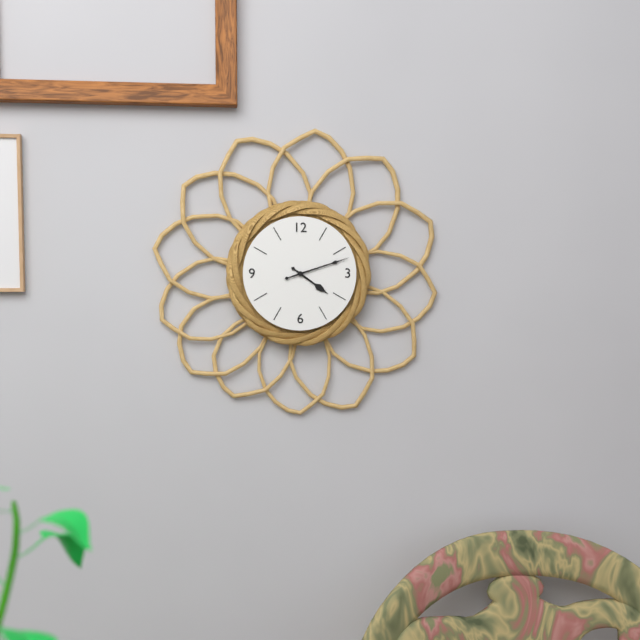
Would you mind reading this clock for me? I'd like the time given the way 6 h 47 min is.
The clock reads 4 h 12 min
